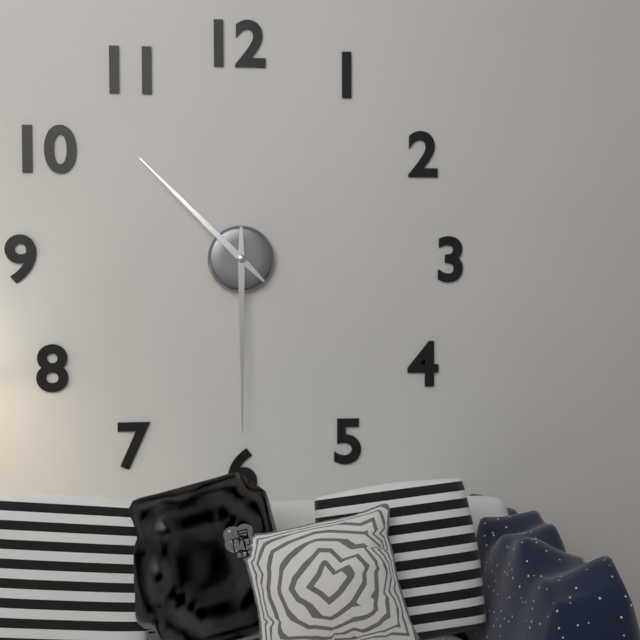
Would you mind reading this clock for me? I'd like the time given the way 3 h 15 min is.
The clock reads 10 h 30 min
